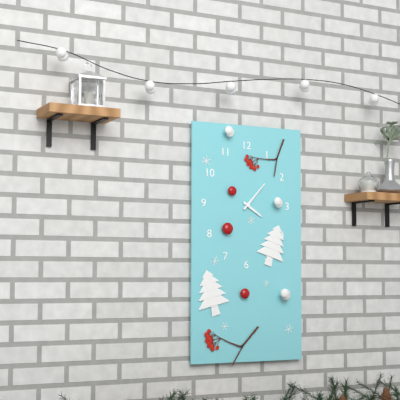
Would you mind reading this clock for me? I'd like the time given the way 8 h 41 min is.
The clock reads 4 h 07 min
